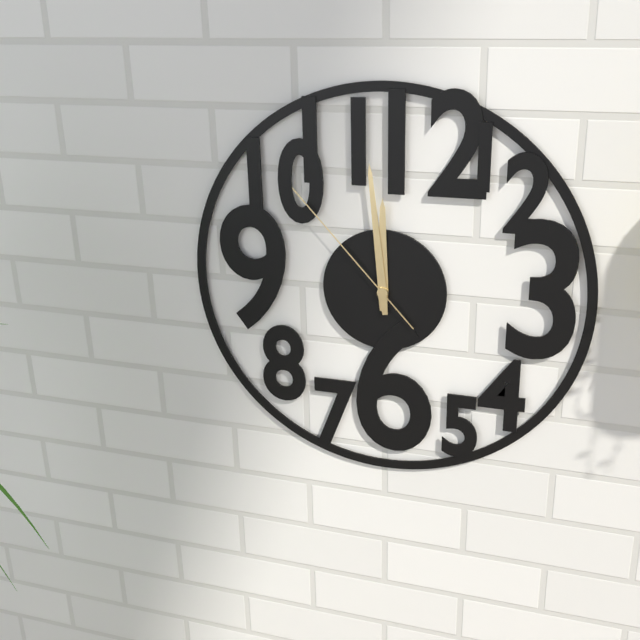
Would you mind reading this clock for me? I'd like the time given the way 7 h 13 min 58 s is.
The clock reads 11 h 59 min 53 s
